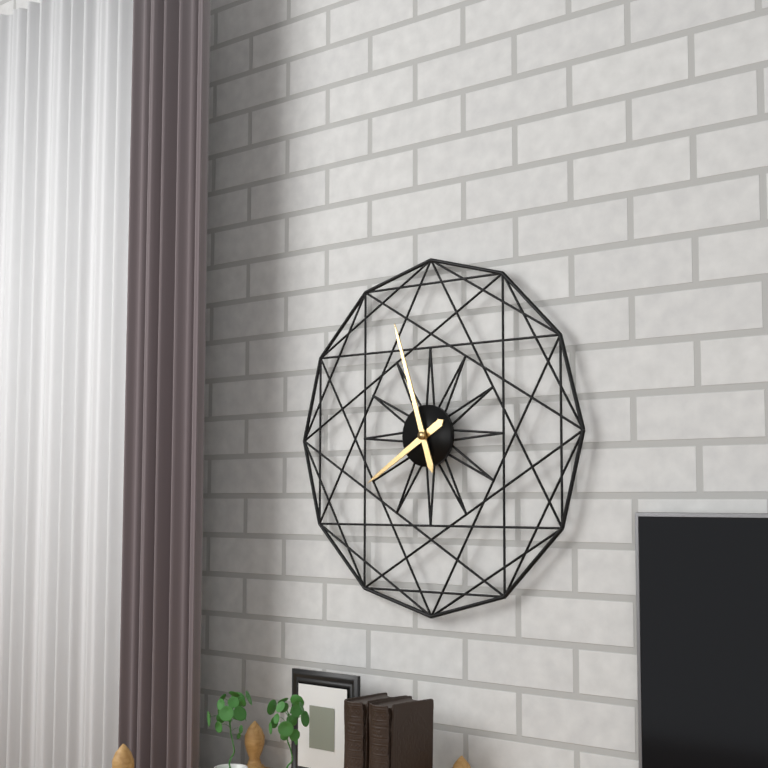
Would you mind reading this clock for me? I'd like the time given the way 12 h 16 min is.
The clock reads 7 h 57 min
